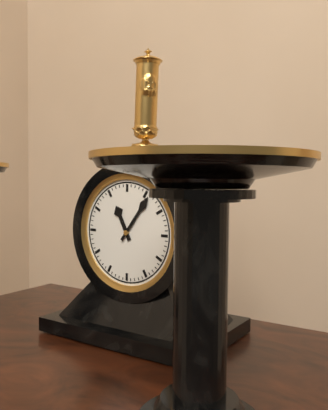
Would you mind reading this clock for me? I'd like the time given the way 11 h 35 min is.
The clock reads 11 h 06 min
